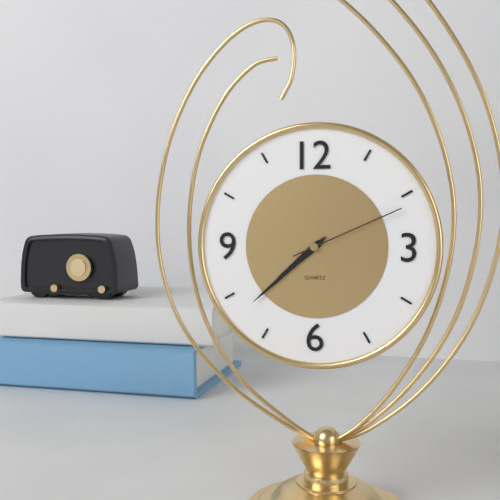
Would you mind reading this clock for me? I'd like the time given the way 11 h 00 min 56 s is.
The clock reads 7 h 38 min 11 s
